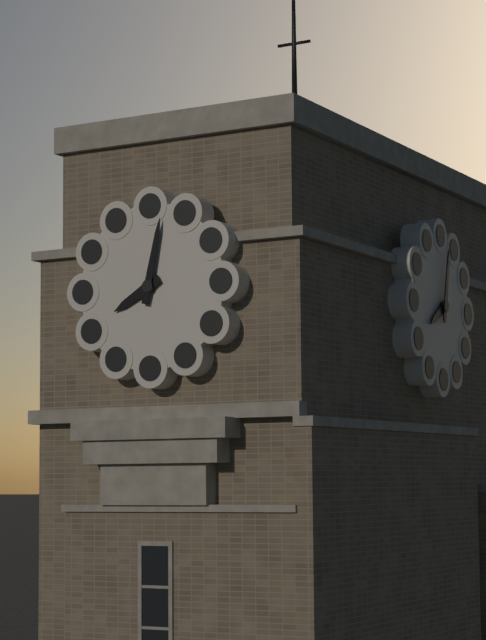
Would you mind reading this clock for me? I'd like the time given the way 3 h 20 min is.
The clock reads 8 h 02 min
